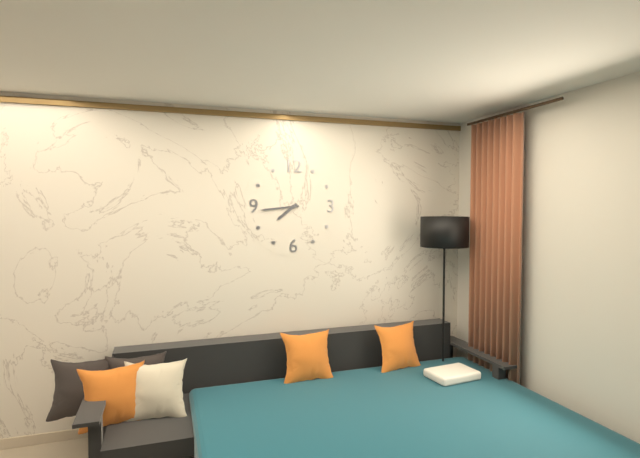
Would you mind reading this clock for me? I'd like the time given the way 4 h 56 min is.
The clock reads 7 h 44 min
